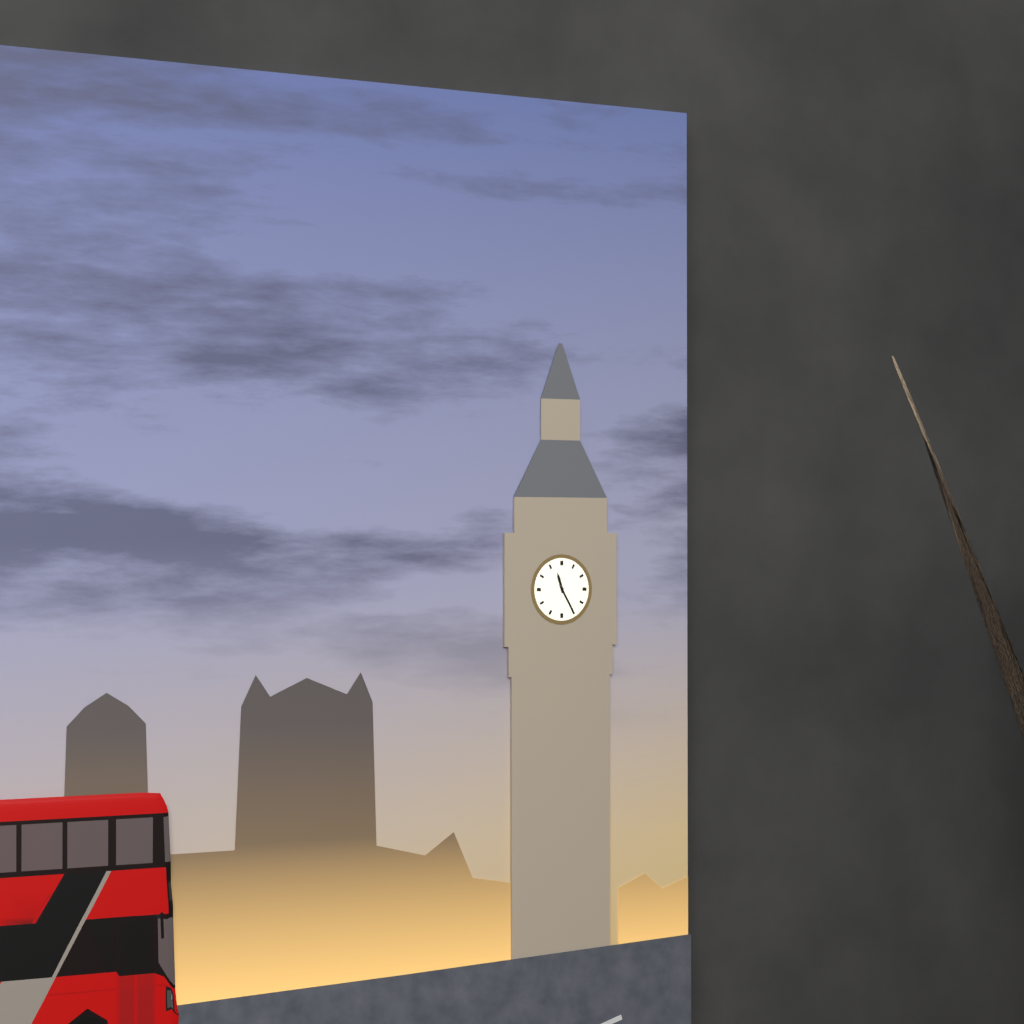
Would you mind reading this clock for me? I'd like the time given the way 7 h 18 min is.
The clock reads 11 h 25 min
